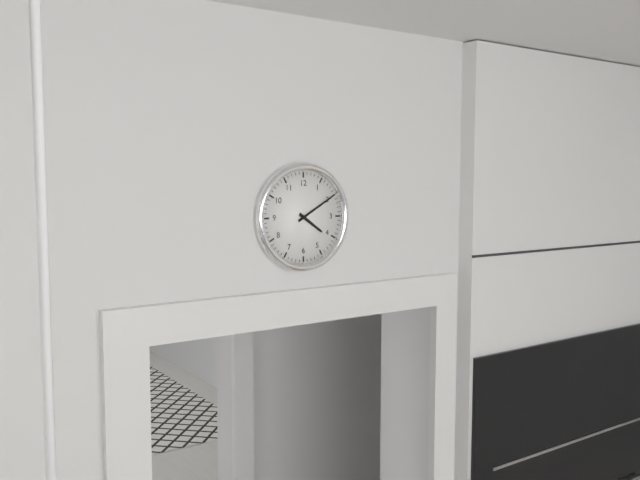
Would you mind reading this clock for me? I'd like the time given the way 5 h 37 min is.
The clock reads 4 h 10 min
